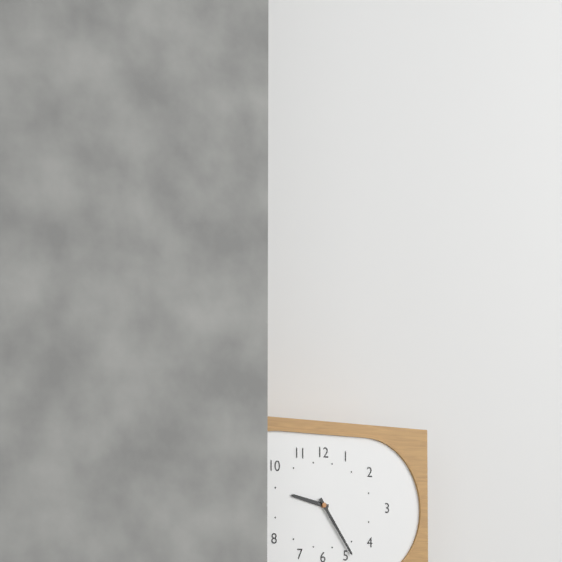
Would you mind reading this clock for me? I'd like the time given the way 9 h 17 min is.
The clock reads 9 h 24 min
